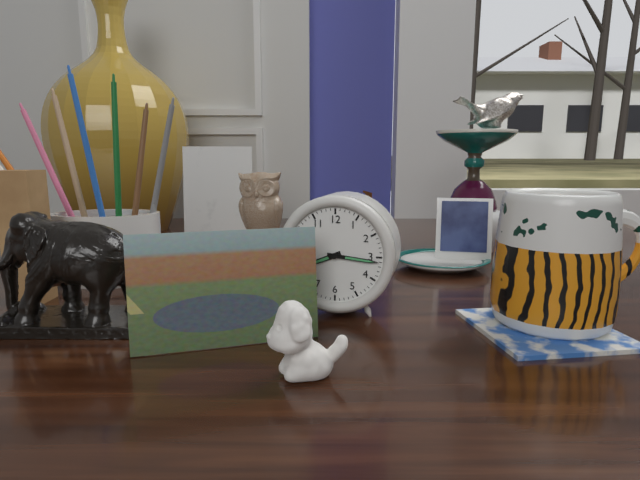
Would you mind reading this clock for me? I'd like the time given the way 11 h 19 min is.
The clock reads 8 h 16 min
